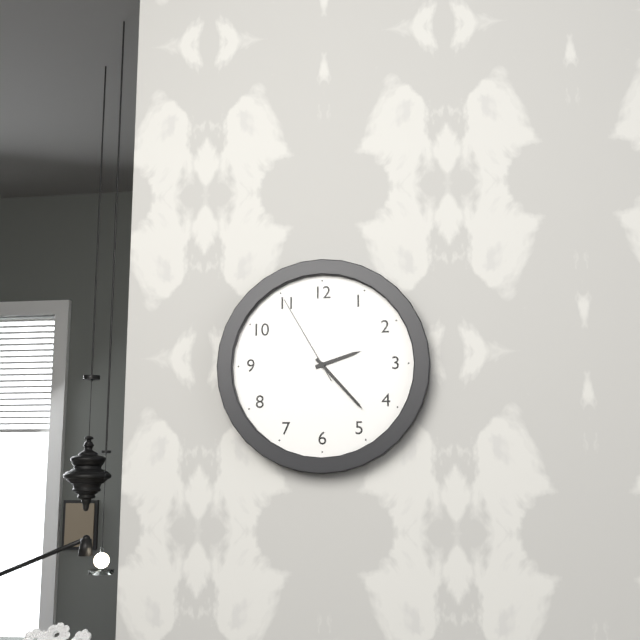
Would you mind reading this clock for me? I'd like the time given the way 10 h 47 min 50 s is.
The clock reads 2 h 23 min 55 s
